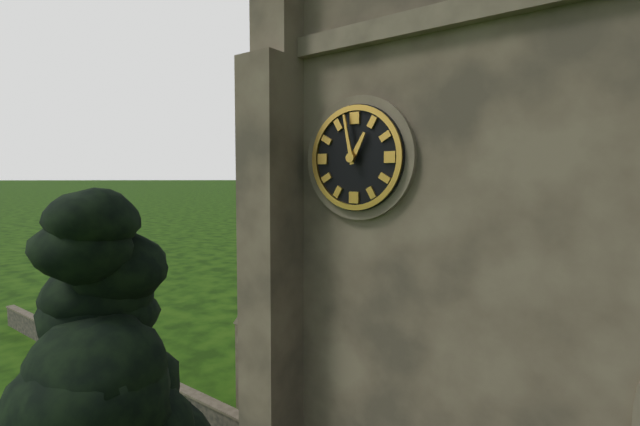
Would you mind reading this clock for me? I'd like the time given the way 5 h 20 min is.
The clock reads 12 h 58 min
